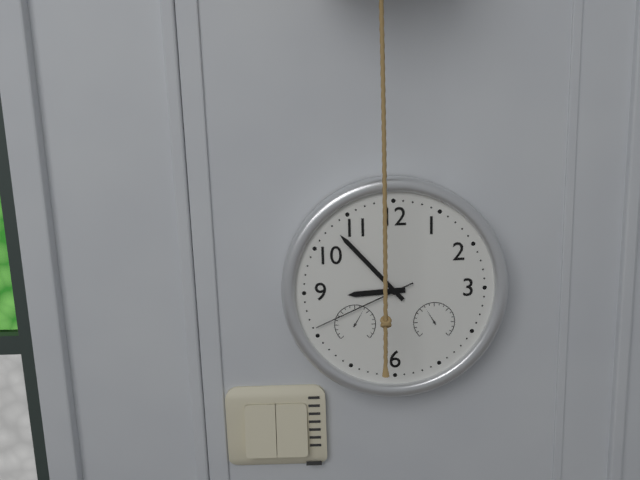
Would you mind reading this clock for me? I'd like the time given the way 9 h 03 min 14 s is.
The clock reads 8 h 53 min 41 s
